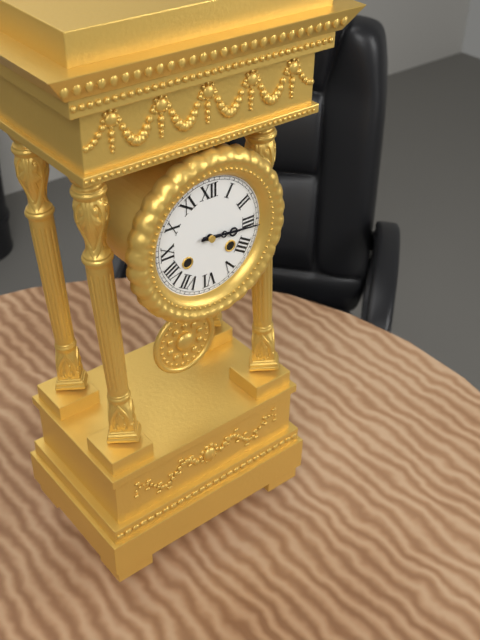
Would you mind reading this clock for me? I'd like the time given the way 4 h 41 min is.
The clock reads 3 h 16 min
